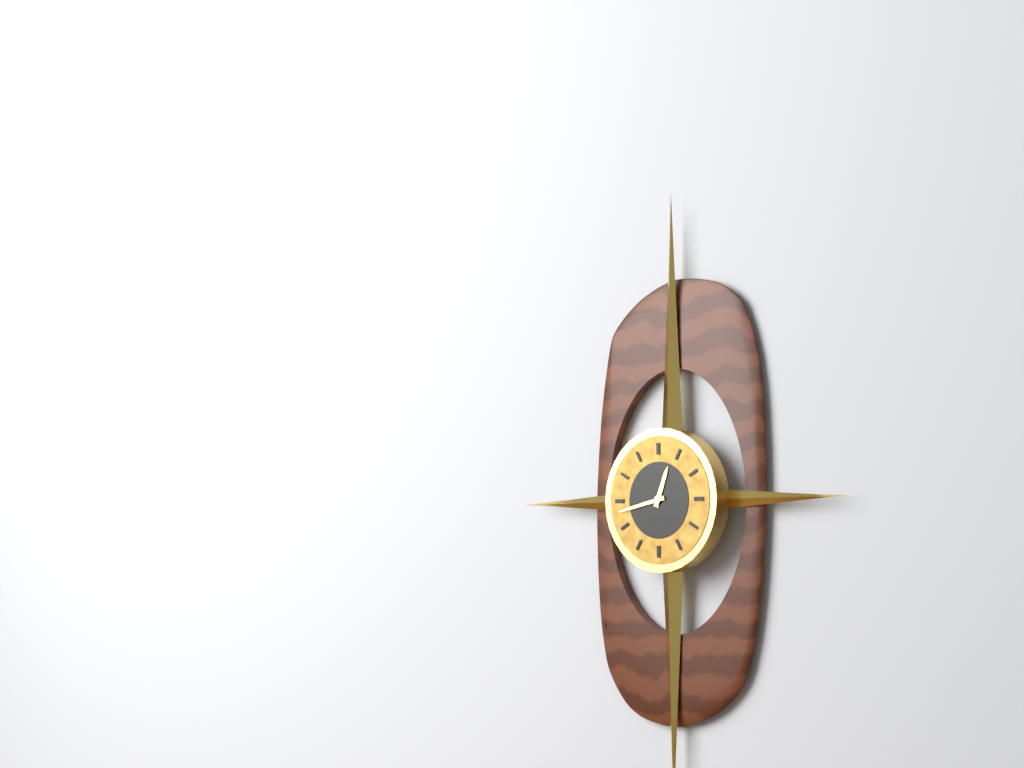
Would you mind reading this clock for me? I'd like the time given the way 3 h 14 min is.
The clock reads 12 h 43 min
